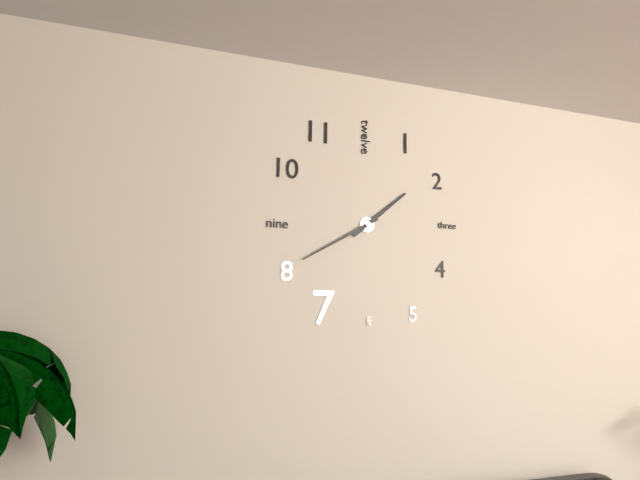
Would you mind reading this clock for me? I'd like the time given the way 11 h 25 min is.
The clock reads 1 h 40 min
